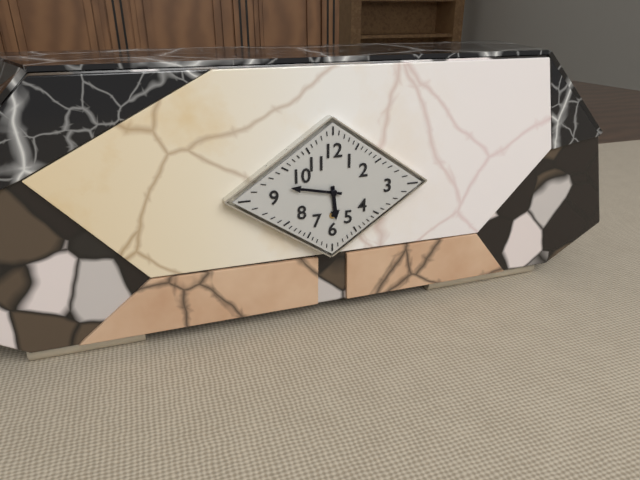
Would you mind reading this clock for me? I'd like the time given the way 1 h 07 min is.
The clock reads 5 h 47 min
